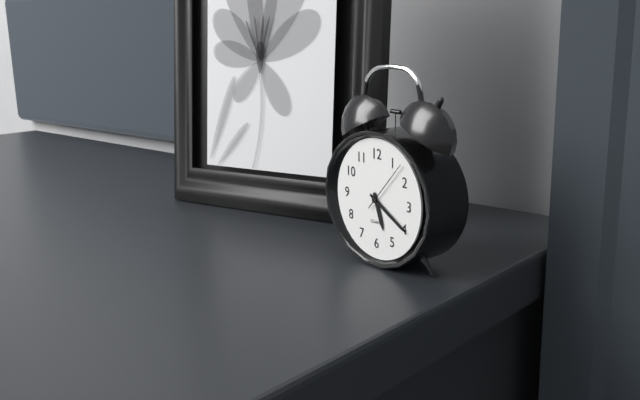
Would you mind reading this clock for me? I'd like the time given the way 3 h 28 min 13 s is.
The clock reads 5 h 20 min 07 s
